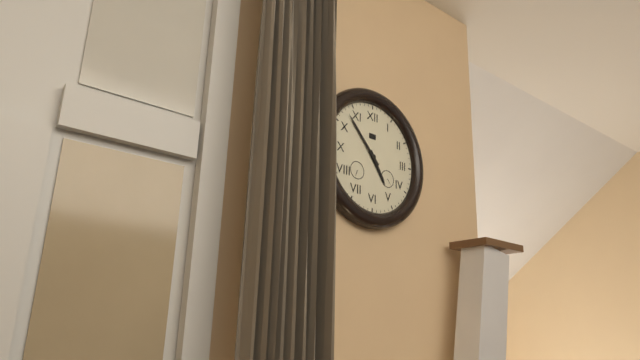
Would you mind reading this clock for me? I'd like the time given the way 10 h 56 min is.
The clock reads 4 h 53 min
